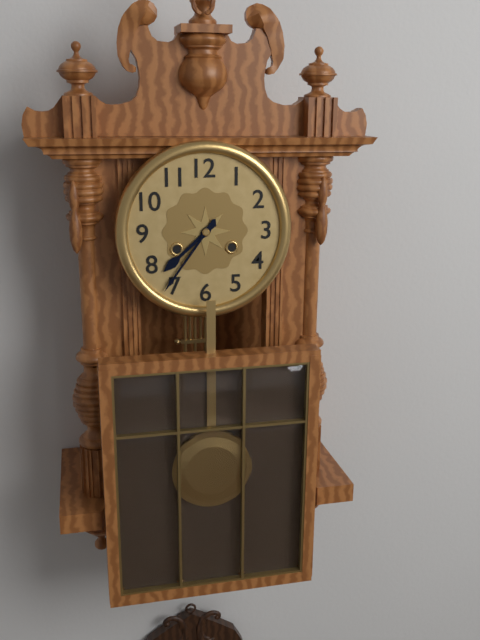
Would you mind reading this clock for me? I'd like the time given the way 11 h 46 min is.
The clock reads 7 h 36 min
